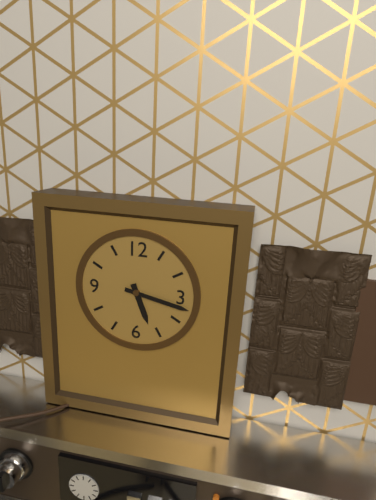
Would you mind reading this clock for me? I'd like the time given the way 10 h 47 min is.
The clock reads 5 h 17 min
